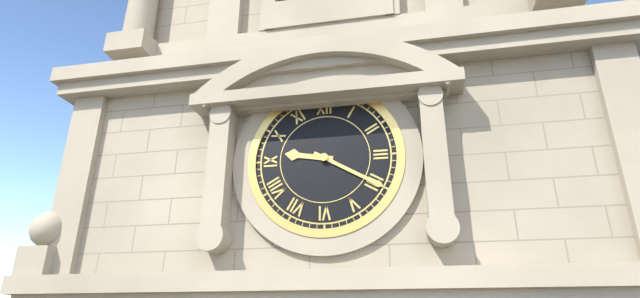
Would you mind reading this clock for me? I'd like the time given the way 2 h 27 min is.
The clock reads 9 h 20 min
